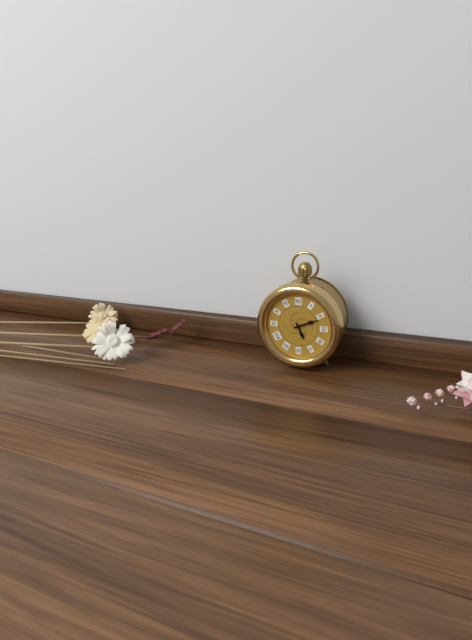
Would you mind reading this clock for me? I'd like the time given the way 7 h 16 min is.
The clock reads 5 h 11 min
